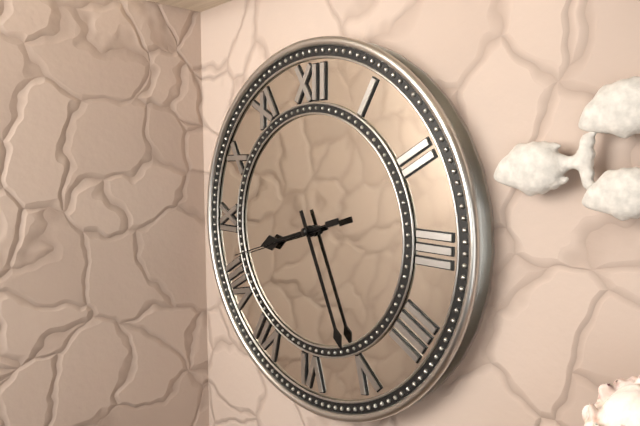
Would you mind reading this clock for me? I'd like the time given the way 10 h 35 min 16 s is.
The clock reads 8 h 26 min 42 s
